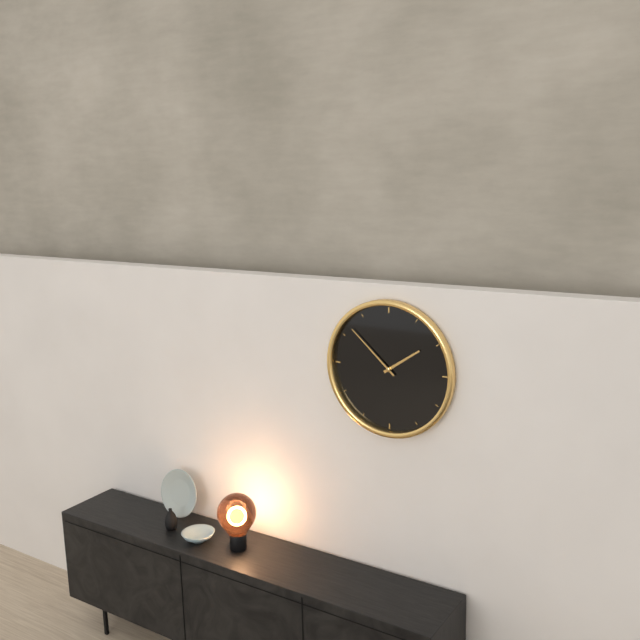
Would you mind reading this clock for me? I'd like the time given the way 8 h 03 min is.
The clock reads 1 h 52 min
